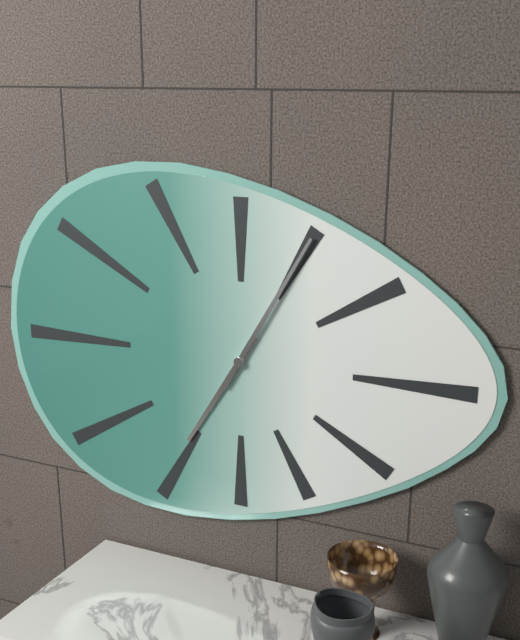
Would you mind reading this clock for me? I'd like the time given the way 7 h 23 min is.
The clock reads 7 h 05 min
